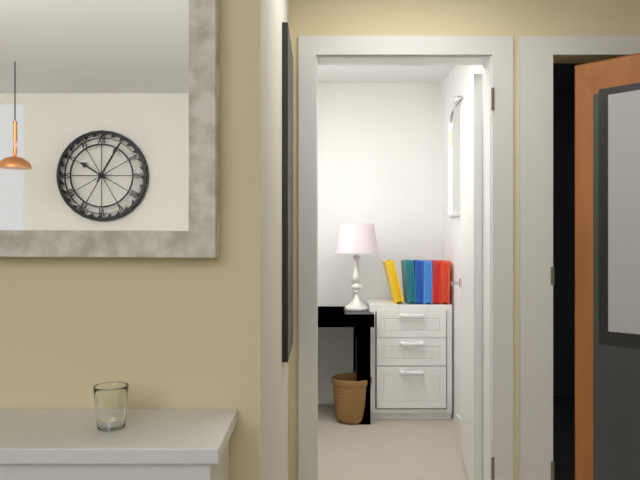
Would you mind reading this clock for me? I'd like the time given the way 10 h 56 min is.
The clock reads 10 h 05 min
